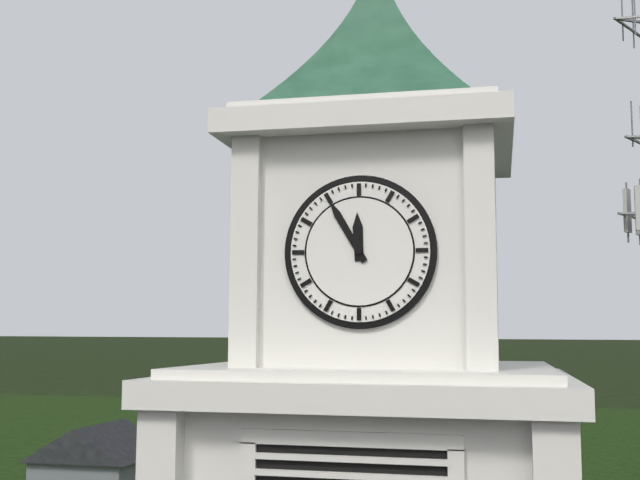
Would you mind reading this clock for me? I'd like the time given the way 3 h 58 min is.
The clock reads 11 h 55 min
